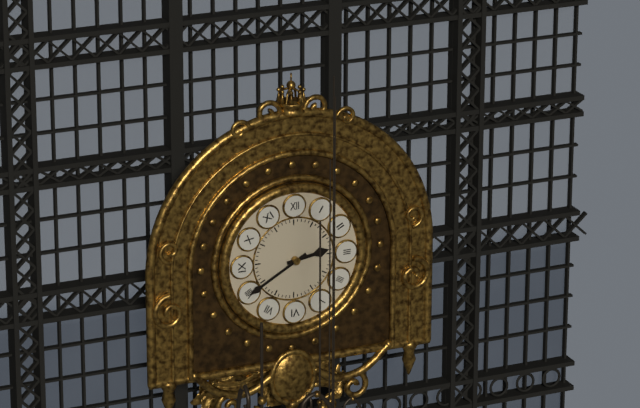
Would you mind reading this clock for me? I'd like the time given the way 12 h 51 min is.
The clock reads 2 h 40 min
